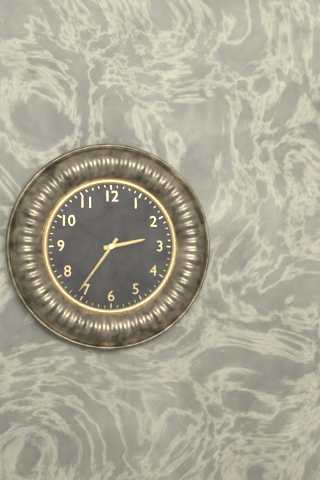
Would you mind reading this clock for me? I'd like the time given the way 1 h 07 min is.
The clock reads 2 h 36 min
